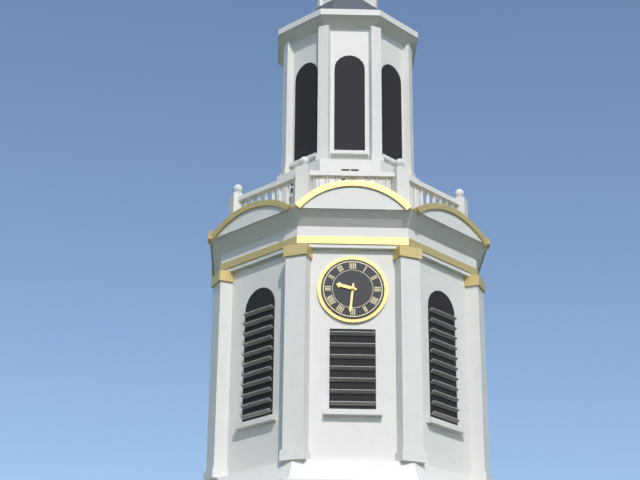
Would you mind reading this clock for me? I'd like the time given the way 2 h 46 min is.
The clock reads 9 h 31 min
